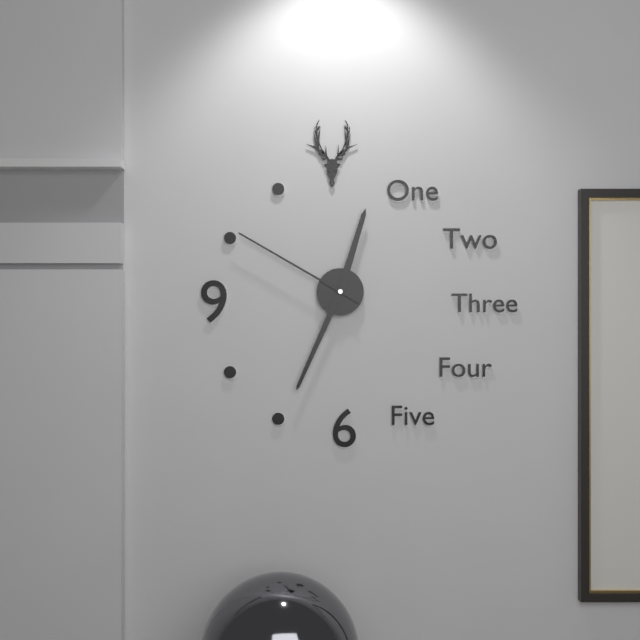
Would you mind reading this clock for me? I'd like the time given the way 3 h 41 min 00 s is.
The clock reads 12 h 34 min 50 s
